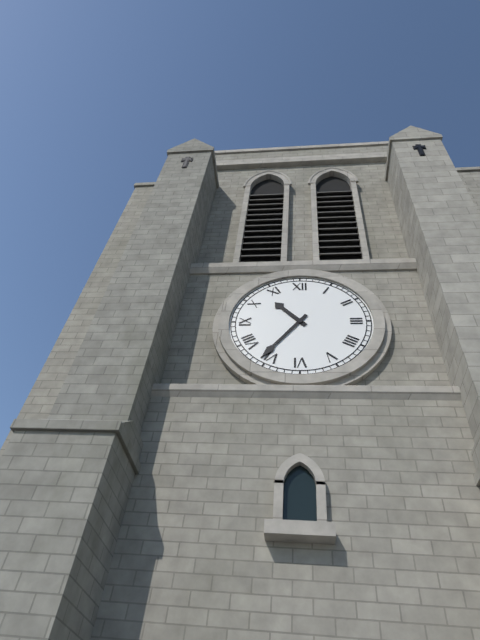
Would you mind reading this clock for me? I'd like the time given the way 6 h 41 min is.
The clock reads 10 h 36 min
